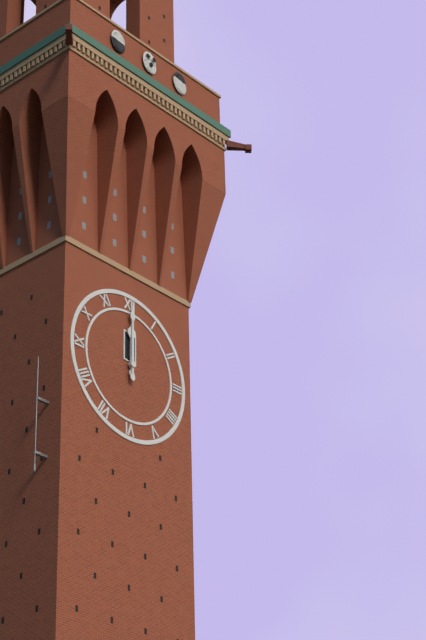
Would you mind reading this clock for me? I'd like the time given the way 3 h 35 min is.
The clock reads 12 h 00 min
